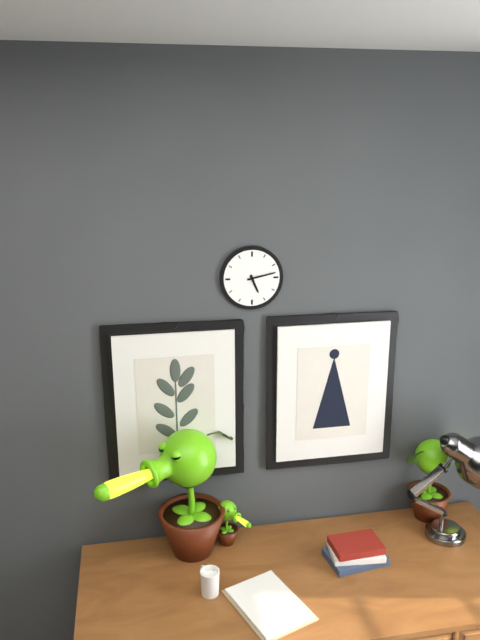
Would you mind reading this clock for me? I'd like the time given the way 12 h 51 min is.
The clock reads 5 h 13 min
